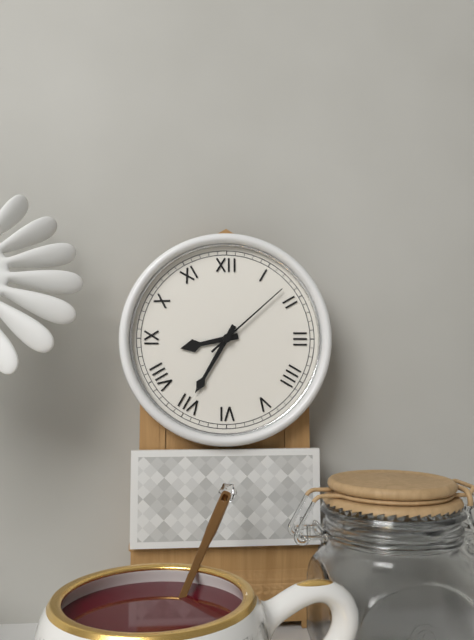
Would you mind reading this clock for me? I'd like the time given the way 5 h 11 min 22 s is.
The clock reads 8 h 35 min 08 s
